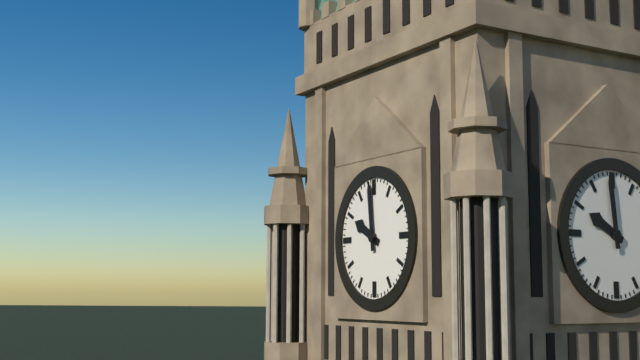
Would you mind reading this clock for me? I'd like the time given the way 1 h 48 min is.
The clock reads 9 h 59 min
